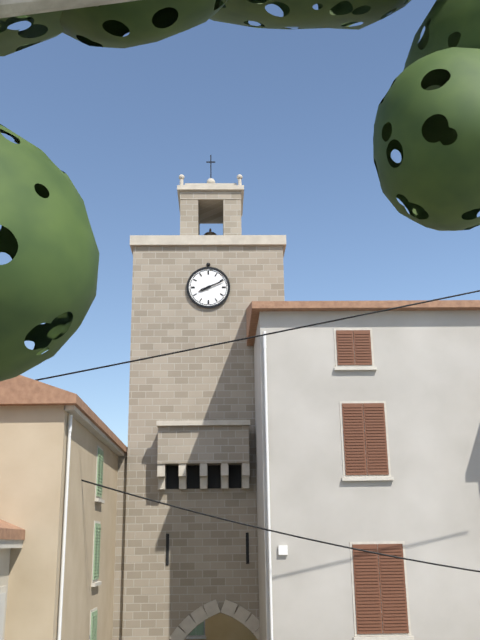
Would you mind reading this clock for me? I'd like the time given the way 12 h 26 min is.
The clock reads 8 h 11 min
